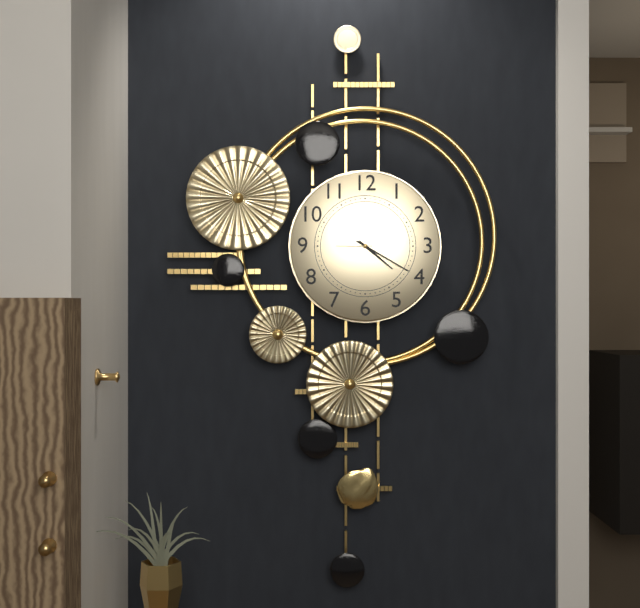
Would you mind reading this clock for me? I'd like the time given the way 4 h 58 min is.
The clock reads 4 h 20 min
